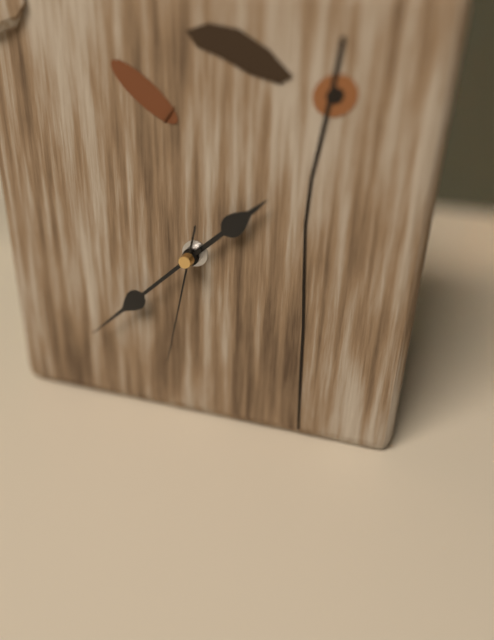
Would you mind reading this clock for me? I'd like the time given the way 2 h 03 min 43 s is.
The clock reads 1 h 38 min 32 s
